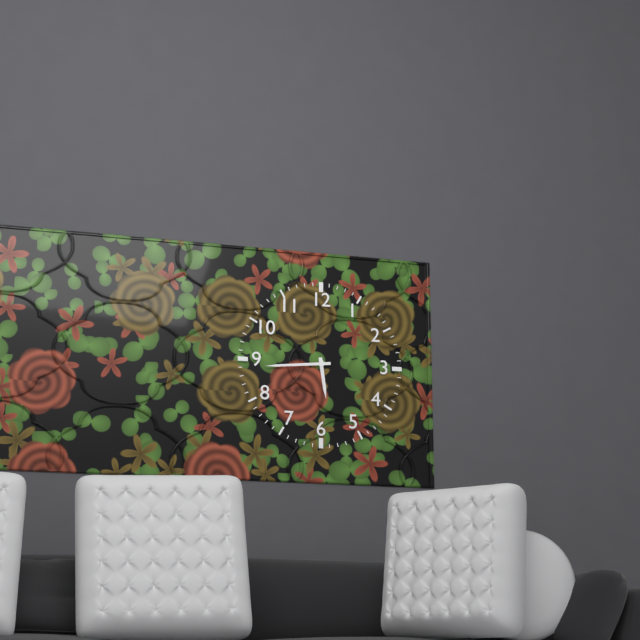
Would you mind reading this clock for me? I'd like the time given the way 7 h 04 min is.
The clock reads 5 h 44 min
